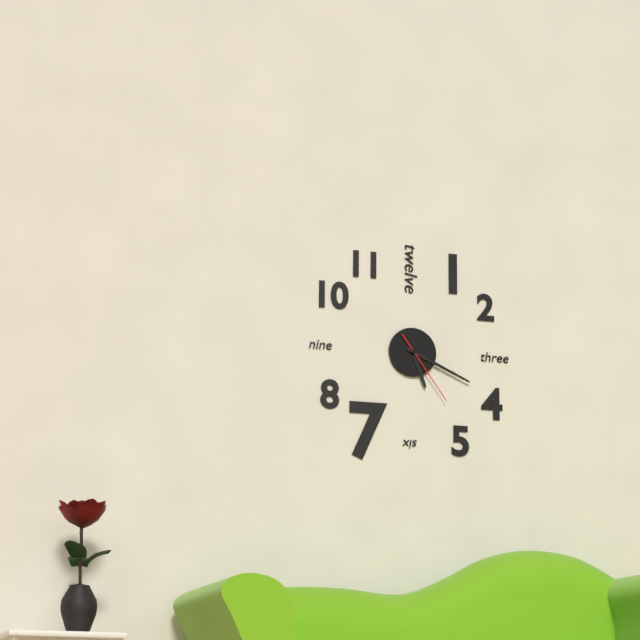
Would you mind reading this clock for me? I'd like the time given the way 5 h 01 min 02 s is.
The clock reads 5 h 19 min 24 s
